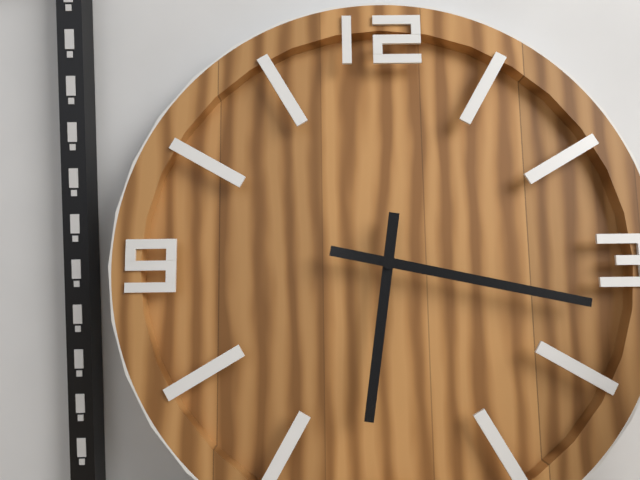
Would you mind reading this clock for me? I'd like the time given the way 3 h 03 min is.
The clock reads 6 h 17 min
